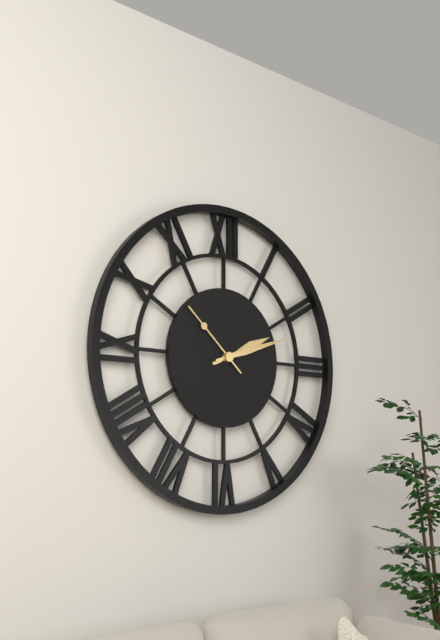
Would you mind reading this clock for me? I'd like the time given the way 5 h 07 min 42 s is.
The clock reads 2 h 12 min 52 s
